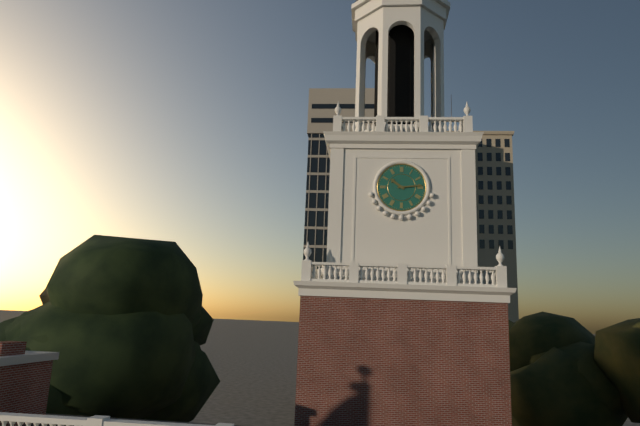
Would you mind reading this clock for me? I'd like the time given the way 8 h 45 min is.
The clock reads 10 h 14 min
